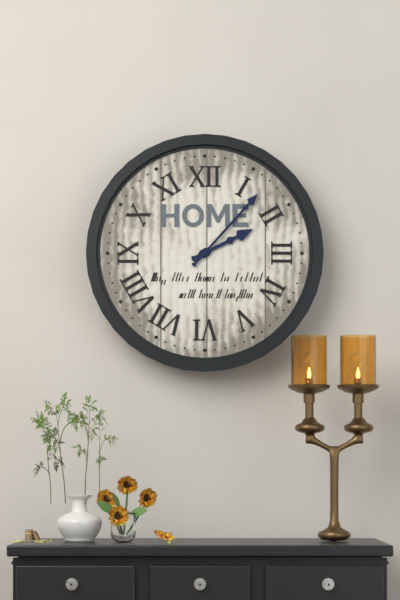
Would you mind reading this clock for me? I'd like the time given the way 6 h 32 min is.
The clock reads 2 h 07 min
